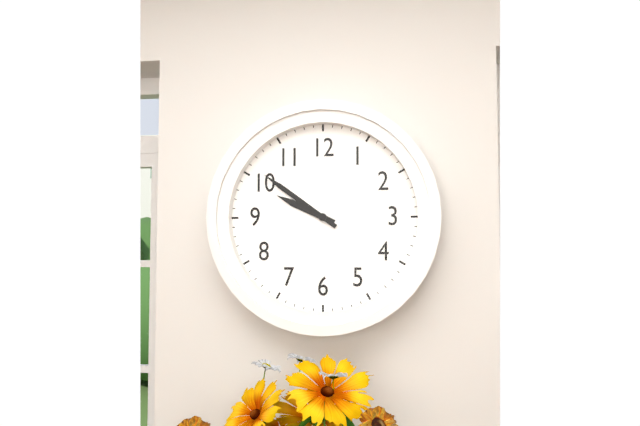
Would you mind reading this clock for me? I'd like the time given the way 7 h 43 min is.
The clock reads 9 h 51 min
